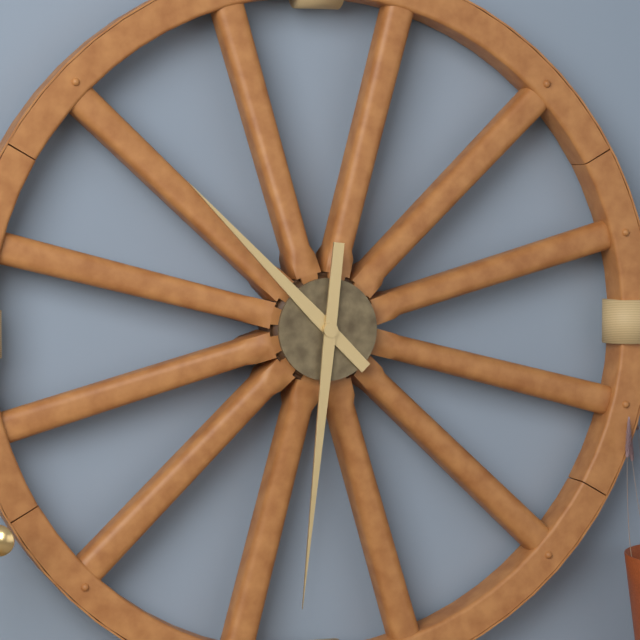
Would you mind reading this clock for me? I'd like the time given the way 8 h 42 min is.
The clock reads 10 h 31 min
